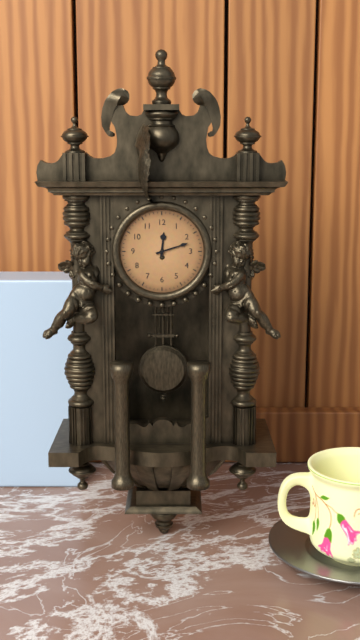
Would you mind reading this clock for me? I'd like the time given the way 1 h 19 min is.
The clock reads 12 h 12 min
